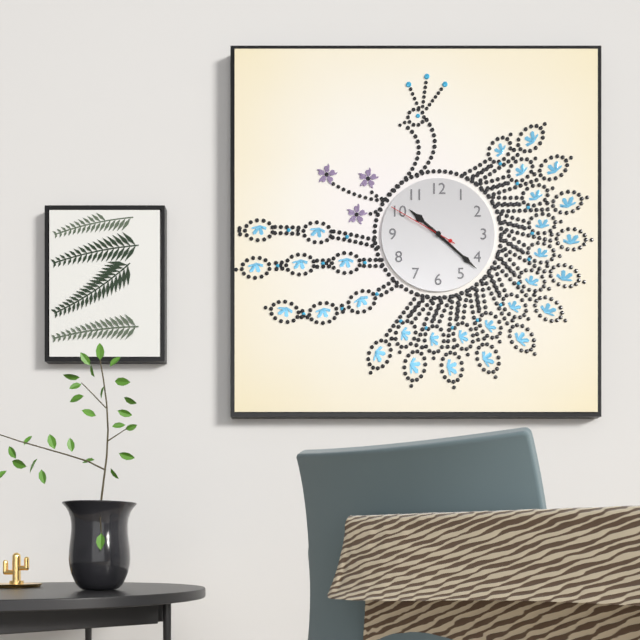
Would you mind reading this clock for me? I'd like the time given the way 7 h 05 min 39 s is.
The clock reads 10 h 22 min 50 s
